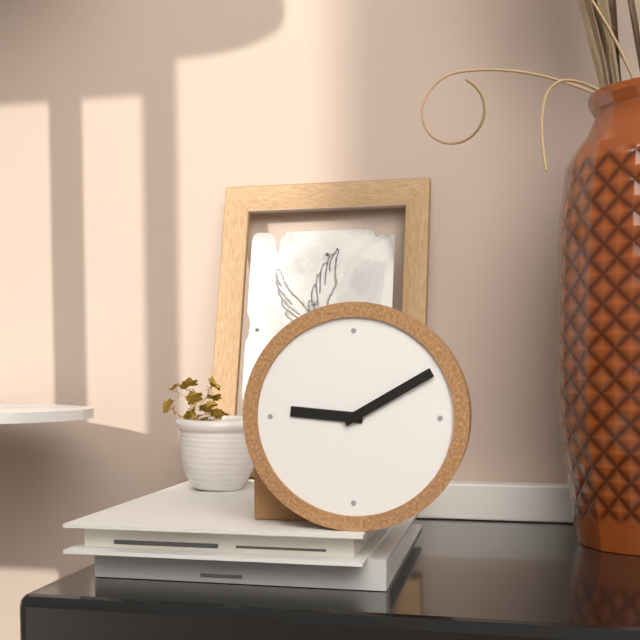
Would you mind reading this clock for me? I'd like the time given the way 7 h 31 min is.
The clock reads 9 h 10 min
